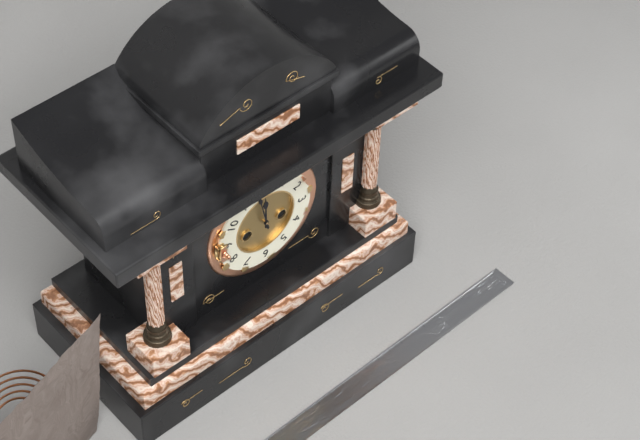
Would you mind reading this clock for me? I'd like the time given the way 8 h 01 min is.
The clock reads 11 h 58 min
